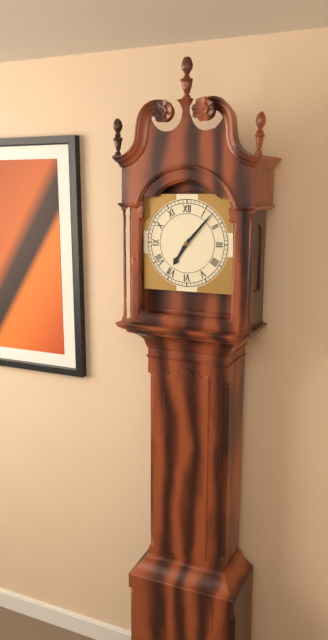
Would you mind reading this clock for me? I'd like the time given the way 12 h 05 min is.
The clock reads 7 h 07 min
